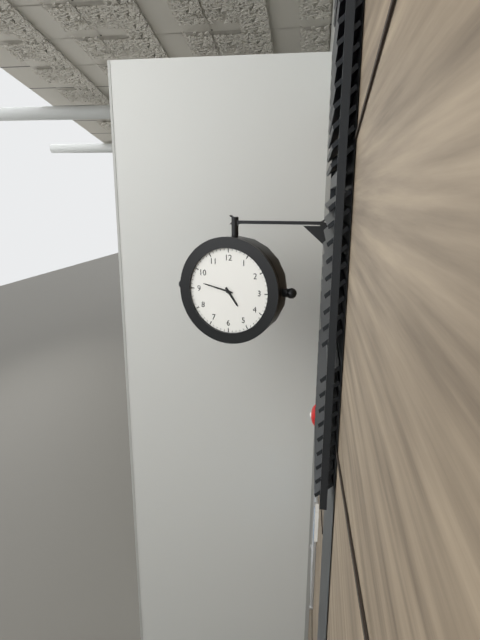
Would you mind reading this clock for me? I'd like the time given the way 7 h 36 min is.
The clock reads 4 h 47 min
